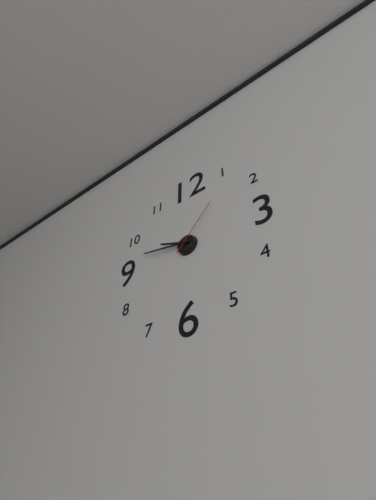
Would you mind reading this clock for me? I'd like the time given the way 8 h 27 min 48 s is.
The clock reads 9 h 47 min 07 s
